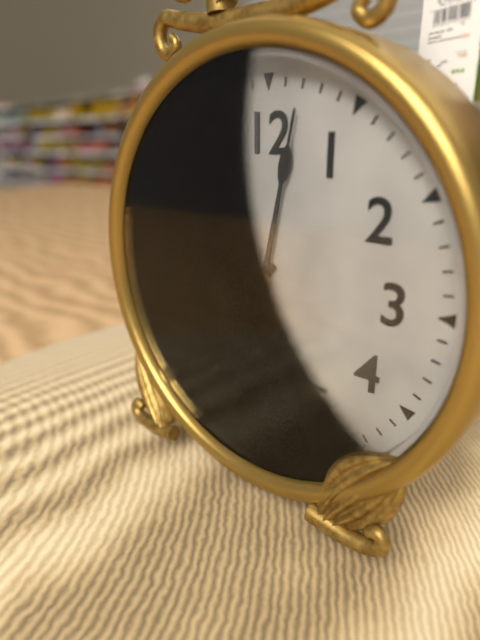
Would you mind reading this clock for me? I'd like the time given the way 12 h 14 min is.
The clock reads 7 h 02 min
